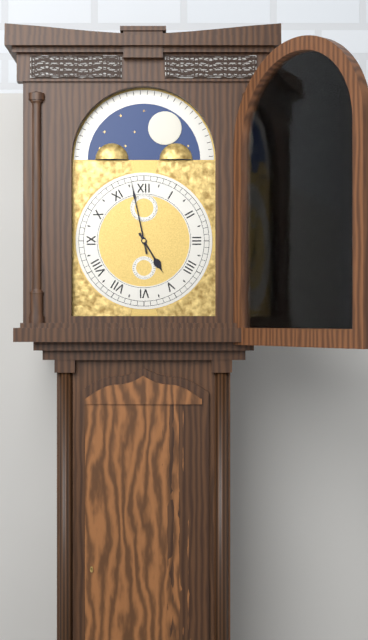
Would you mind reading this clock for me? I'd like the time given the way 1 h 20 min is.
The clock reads 4 h 58 min
